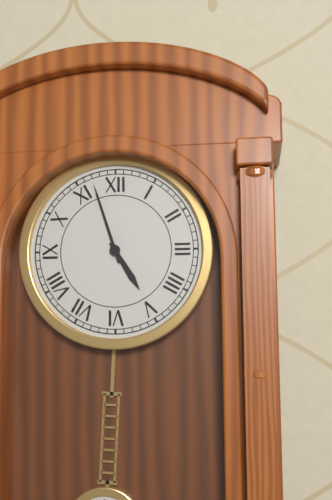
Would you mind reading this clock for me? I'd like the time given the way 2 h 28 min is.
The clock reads 4 h 57 min
